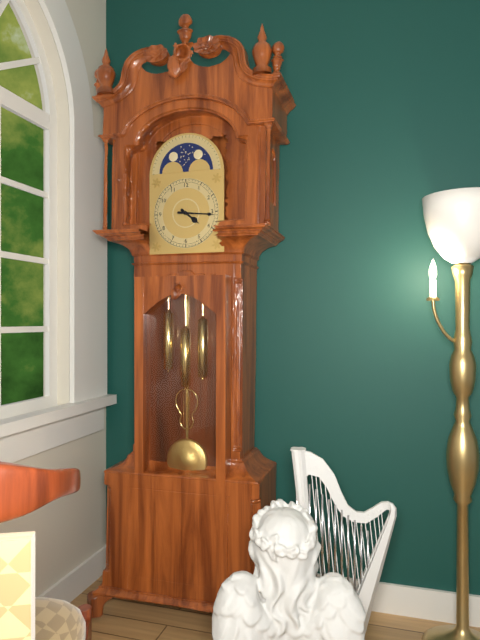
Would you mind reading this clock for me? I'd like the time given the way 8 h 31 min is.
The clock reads 4 h 16 min
